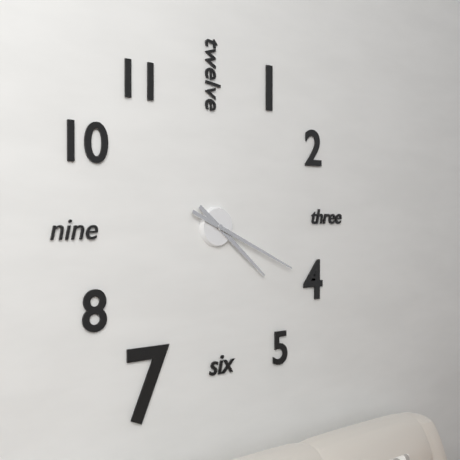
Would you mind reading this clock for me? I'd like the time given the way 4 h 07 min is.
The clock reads 4 h 19 min
